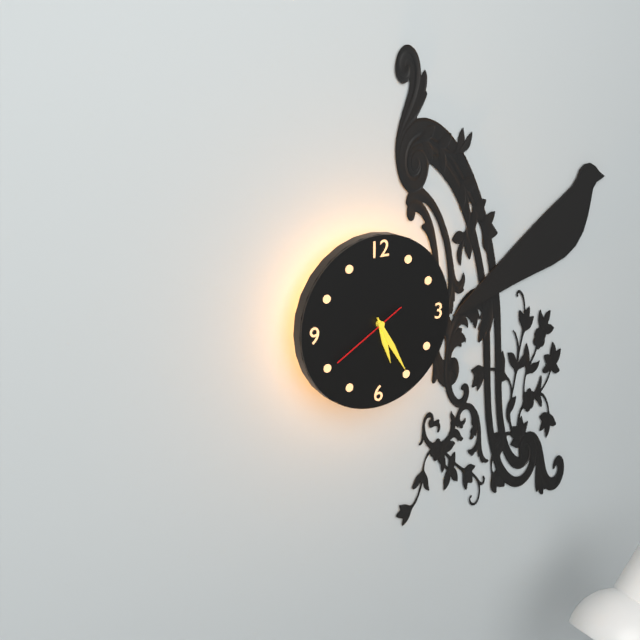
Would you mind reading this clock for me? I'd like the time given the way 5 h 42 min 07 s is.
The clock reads 5 h 25 min 40 s
